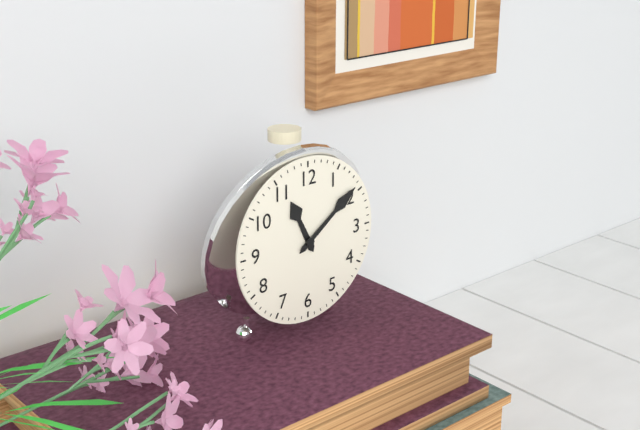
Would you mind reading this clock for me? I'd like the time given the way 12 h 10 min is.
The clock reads 11 h 09 min
